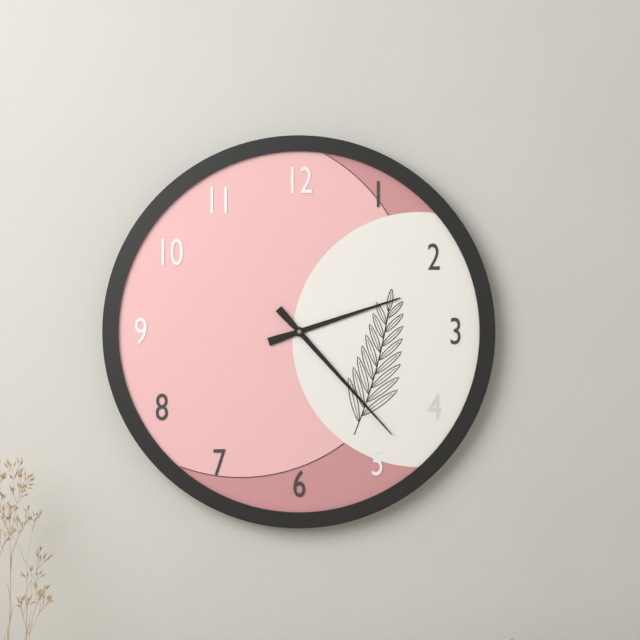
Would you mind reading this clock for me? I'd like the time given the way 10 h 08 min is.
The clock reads 2 h 23 min
